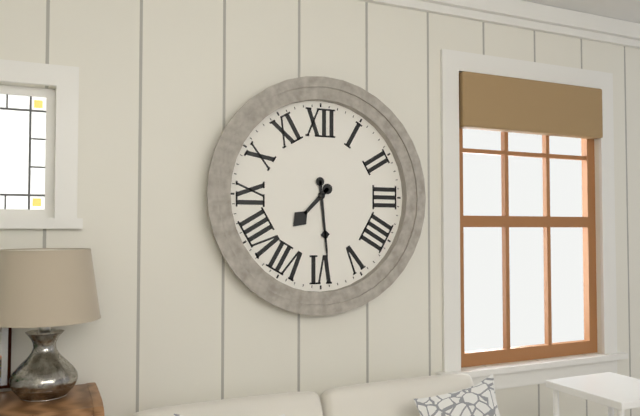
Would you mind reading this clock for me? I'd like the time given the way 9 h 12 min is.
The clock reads 7 h 29 min
